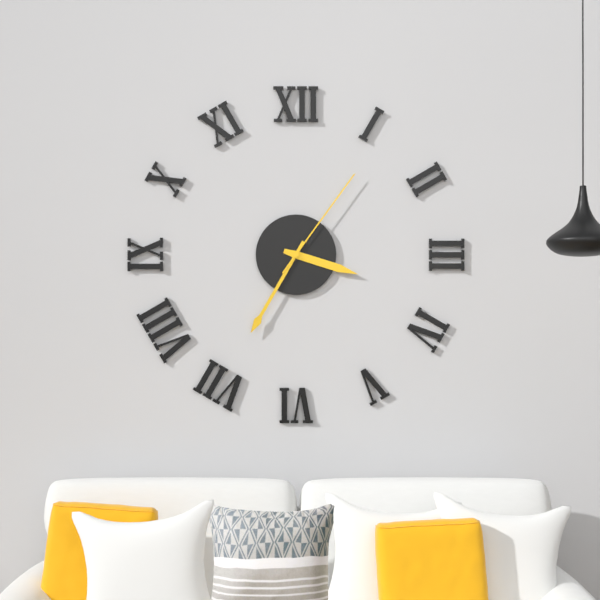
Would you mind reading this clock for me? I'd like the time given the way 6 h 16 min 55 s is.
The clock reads 3 h 35 min 06 s
